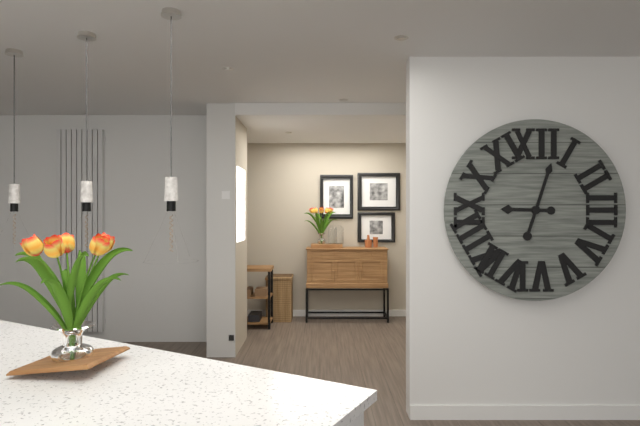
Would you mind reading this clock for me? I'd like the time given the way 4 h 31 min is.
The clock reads 9 h 03 min
